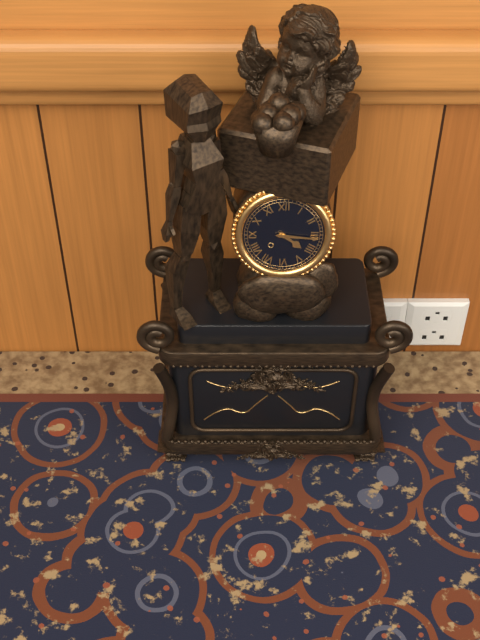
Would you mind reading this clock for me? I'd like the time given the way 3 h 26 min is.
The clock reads 4 h 16 min
